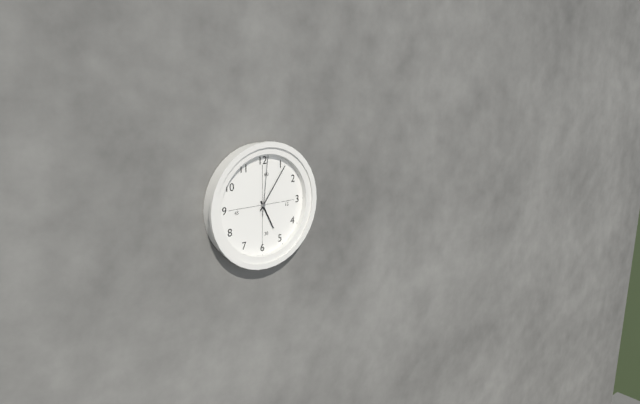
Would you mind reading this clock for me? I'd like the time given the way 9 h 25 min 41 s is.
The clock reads 5 h 06 min 01 s
